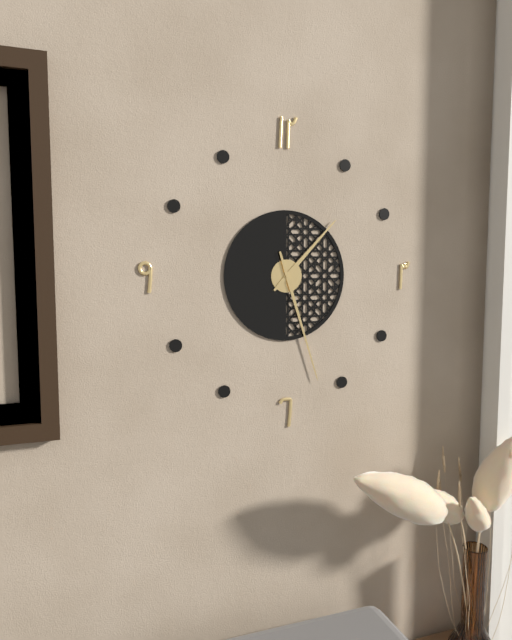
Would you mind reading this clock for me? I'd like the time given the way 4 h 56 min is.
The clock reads 1 h 27 min
